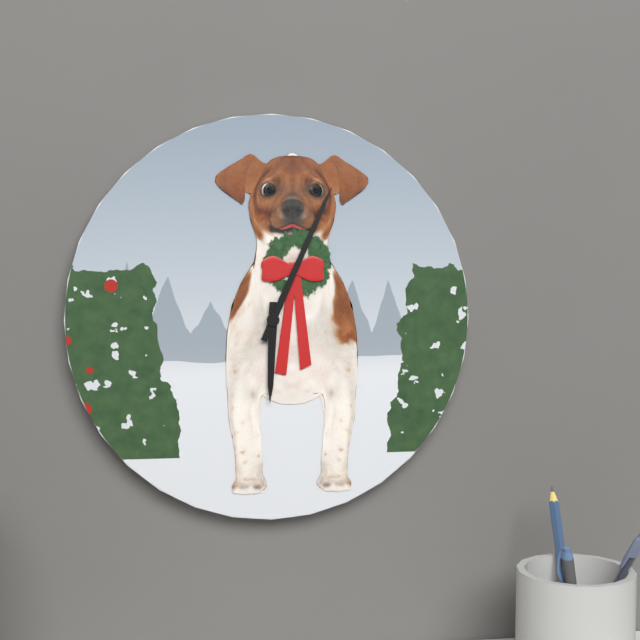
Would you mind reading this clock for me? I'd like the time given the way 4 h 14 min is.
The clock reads 6 h 04 min
